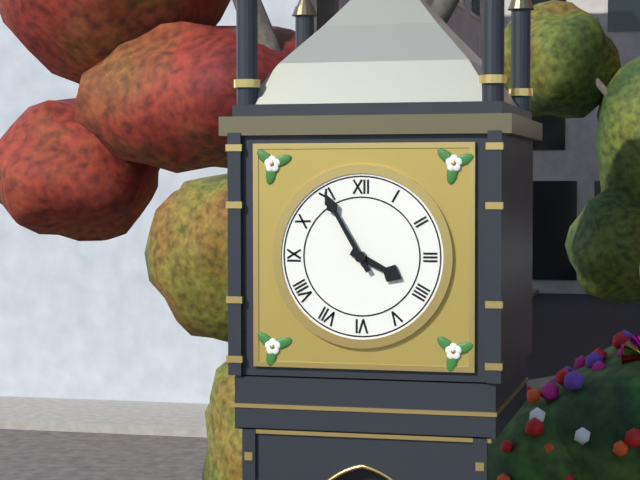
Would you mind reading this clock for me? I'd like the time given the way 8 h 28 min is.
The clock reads 3 h 55 min
